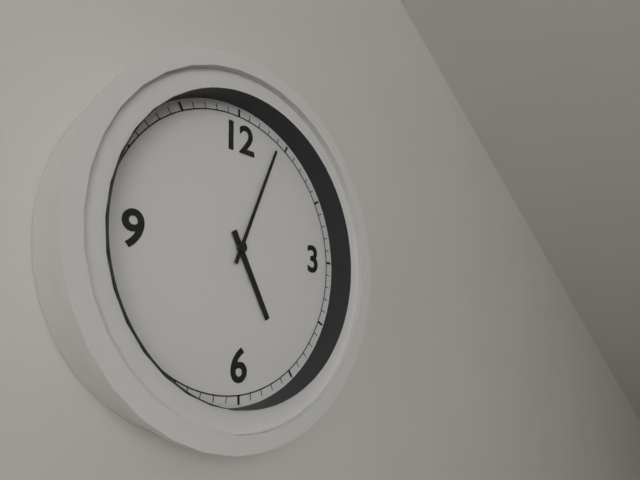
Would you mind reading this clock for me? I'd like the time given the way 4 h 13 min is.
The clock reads 5 h 04 min
